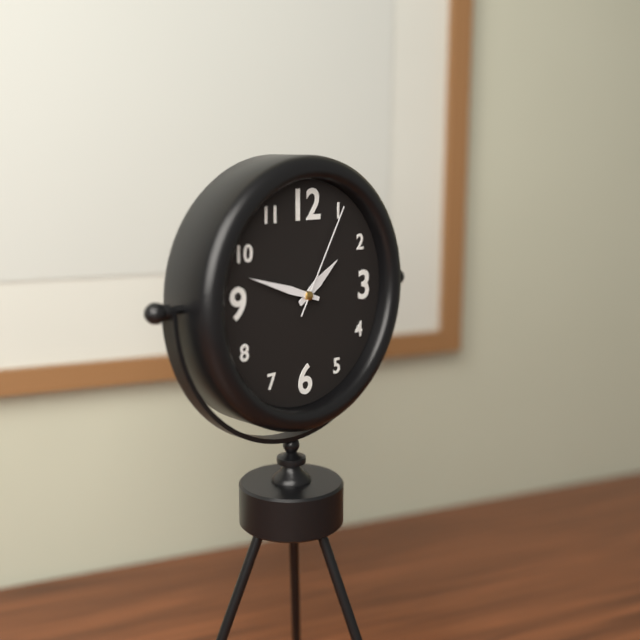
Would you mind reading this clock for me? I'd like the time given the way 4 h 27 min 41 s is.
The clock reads 1 h 48 min 05 s
